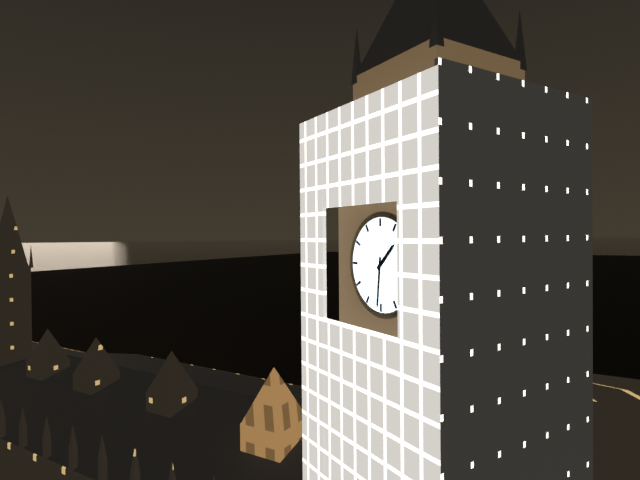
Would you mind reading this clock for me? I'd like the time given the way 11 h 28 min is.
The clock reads 1 h 31 min
